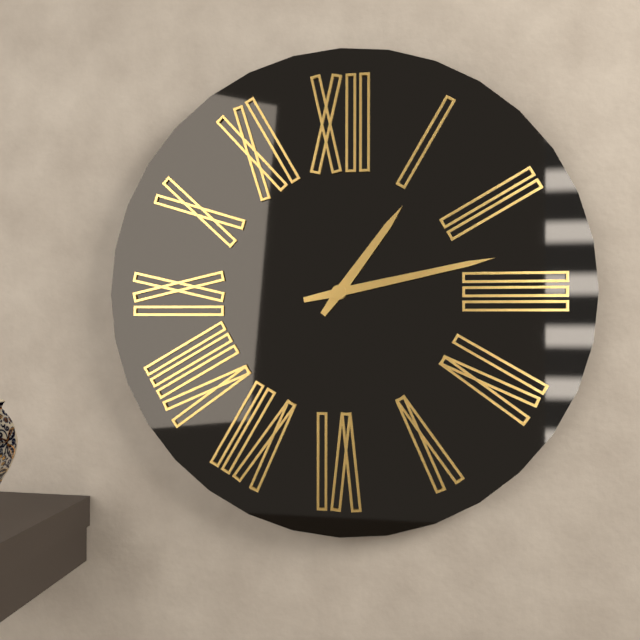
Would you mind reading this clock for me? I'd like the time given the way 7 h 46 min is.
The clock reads 1 h 13 min
